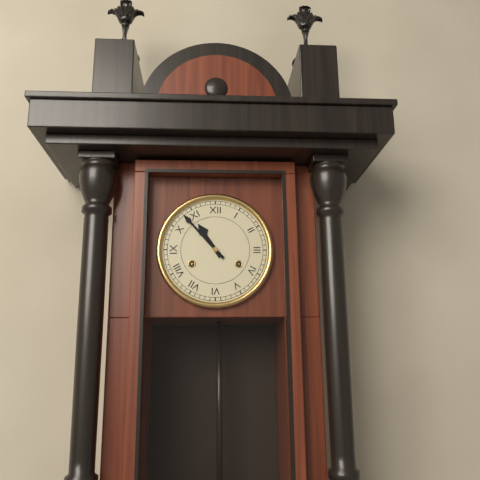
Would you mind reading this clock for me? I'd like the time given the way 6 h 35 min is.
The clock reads 10 h 53 min
